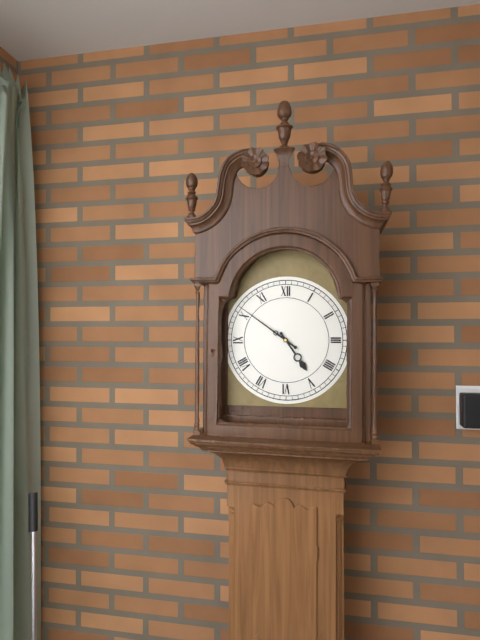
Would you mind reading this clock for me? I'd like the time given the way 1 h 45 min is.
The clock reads 4 h 51 min
